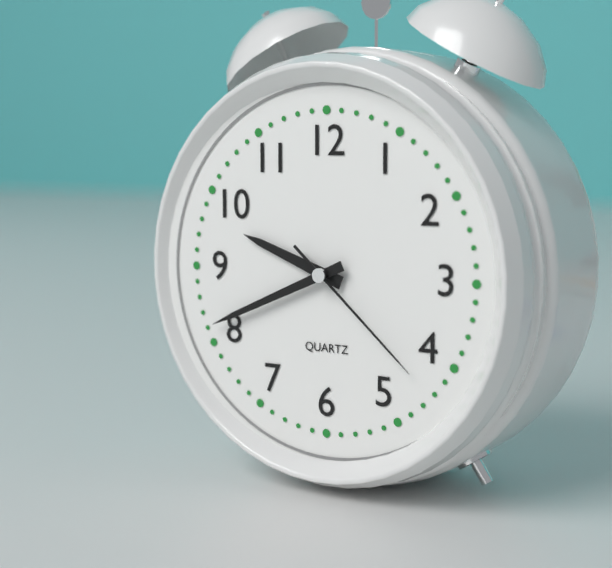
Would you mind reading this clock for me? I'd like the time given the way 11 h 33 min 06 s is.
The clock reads 9 h 41 min 22 s
